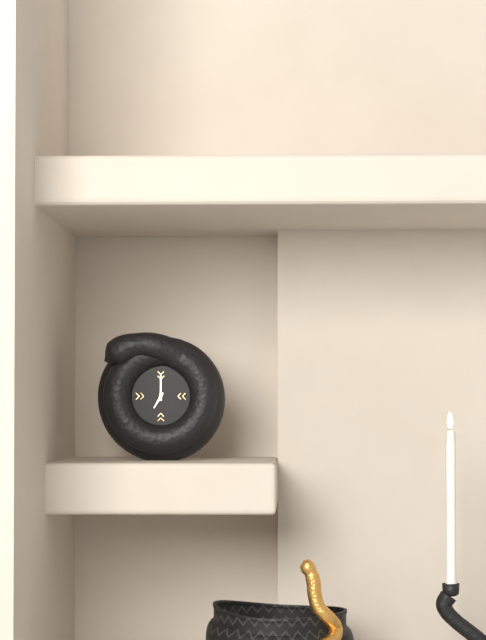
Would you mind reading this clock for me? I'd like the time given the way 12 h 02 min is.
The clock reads 7 h 00 min
